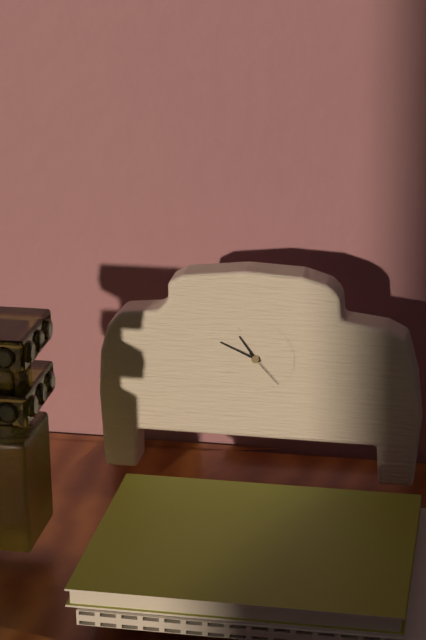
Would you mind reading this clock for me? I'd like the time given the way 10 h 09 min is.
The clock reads 10 h 49 min
